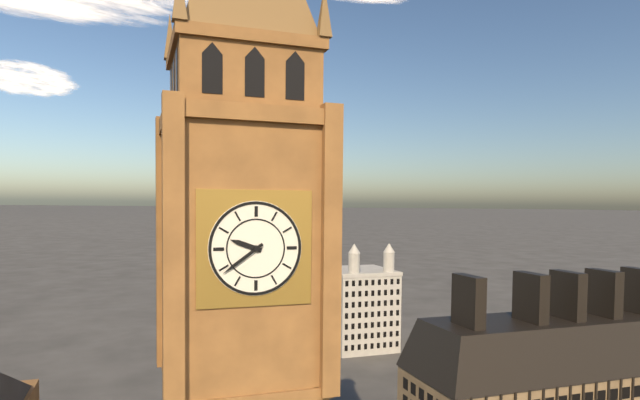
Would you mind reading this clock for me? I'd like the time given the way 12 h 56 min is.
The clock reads 9 h 39 min
